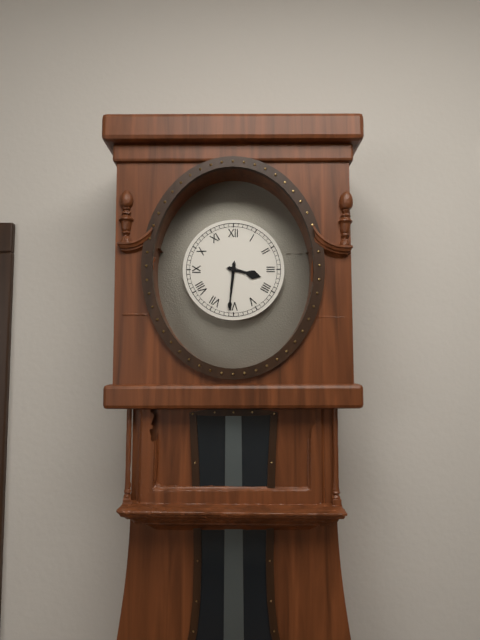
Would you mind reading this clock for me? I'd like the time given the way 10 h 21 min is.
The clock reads 3 h 31 min
